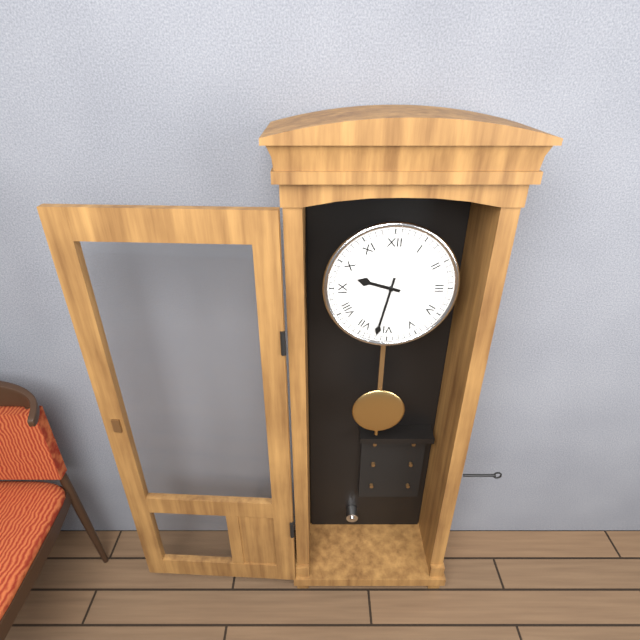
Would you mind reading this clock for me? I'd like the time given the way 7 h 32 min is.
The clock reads 9 h 32 min
